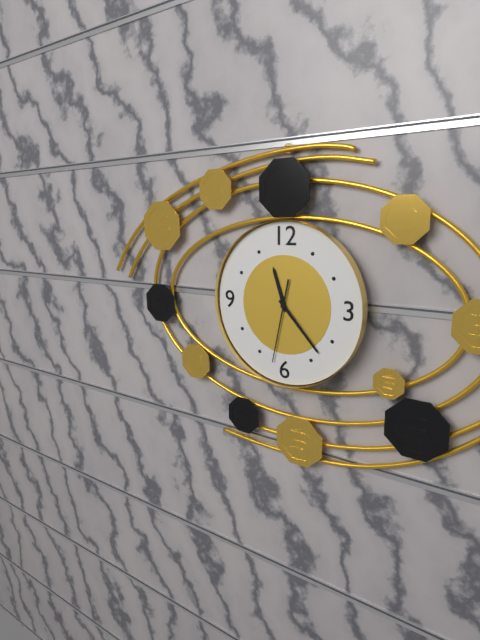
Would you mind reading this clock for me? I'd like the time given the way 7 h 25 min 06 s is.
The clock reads 11 h 23 min 32 s
